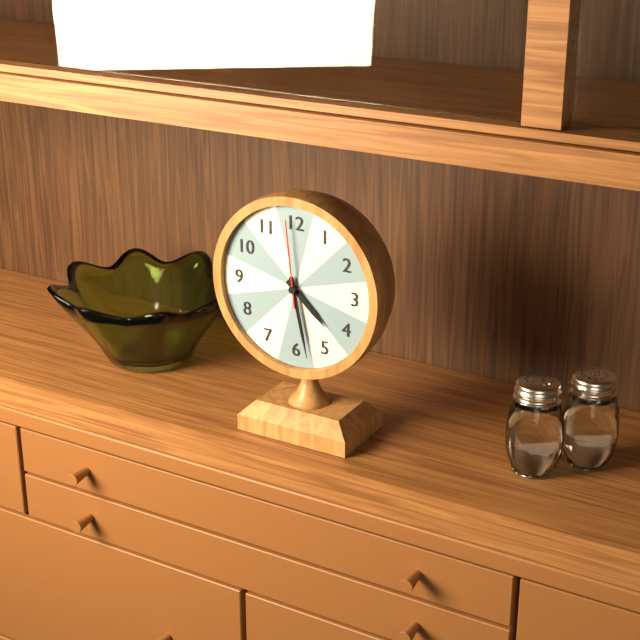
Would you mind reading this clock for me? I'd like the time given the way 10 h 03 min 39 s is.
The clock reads 4 h 28 min 59 s
